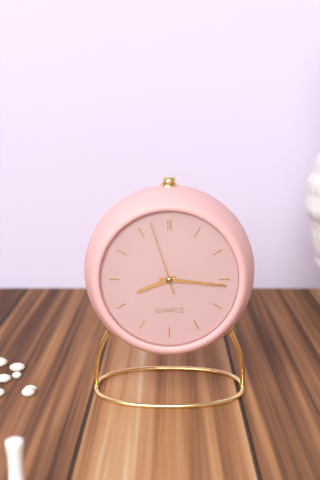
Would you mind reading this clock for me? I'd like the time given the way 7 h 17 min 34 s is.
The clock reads 8 h 16 min 57 s
